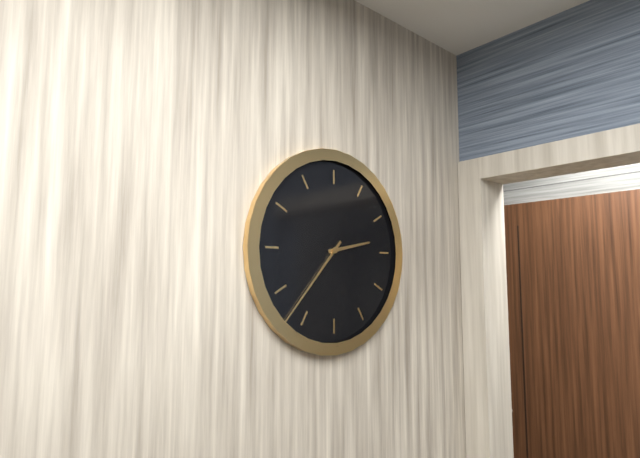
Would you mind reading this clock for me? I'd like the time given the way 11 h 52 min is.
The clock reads 2 h 37 min
